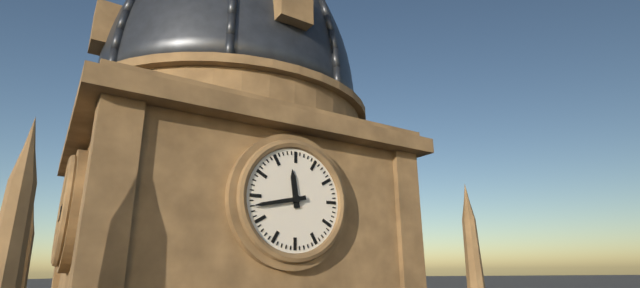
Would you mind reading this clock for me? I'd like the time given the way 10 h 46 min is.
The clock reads 11 h 43 min
